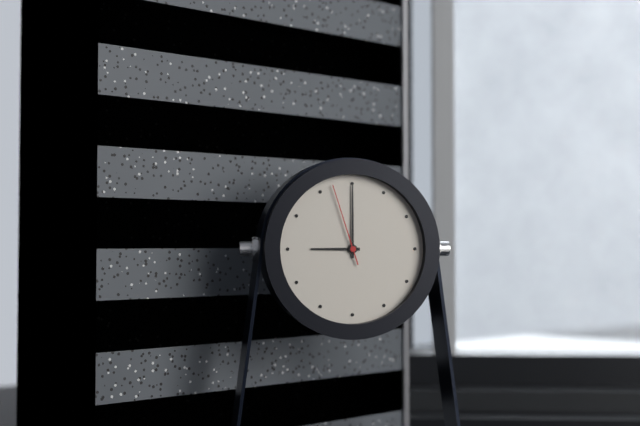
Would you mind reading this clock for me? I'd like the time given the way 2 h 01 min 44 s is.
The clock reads 9 h 00 min 57 s
